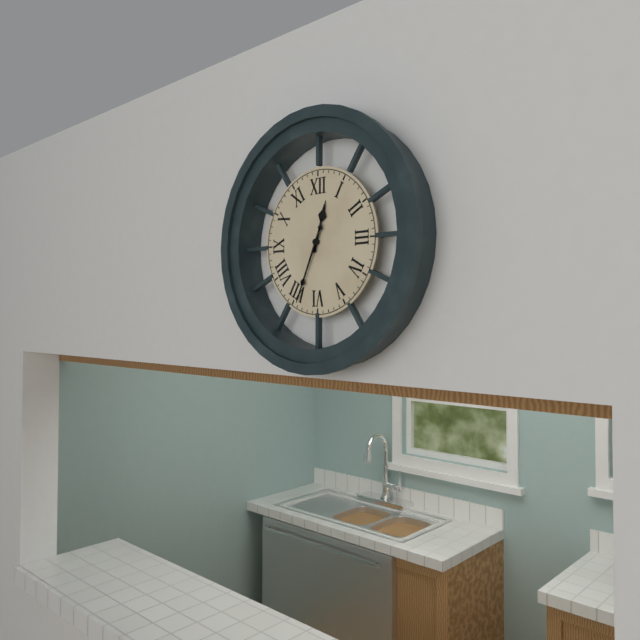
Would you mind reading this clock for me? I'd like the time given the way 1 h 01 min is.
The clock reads 12 h 34 min
